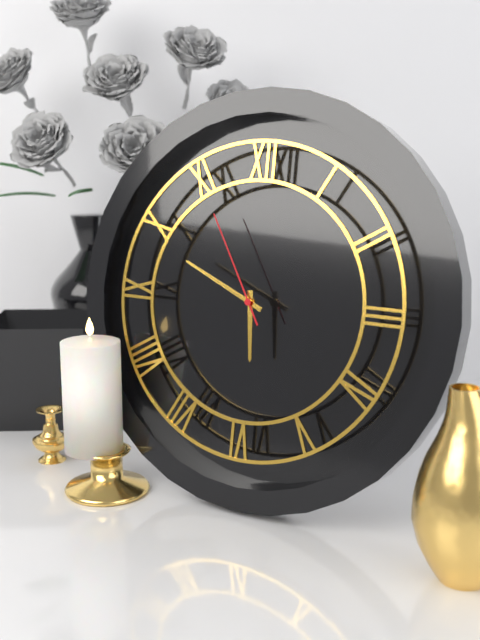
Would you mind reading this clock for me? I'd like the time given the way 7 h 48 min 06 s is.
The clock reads 5 h 49 min 55 s
